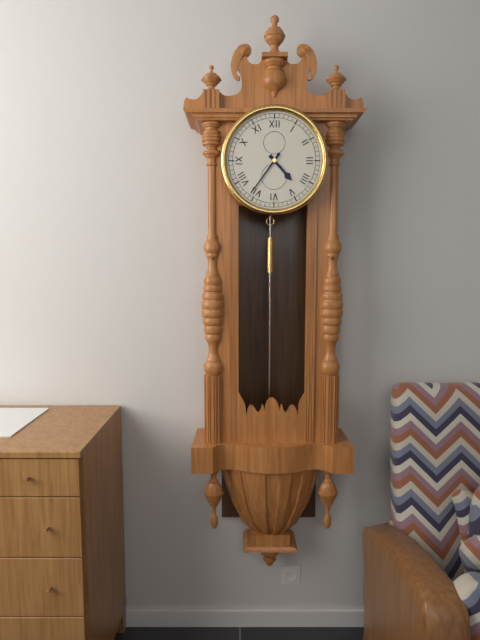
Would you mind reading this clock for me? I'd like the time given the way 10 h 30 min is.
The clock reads 4 h 36 min
